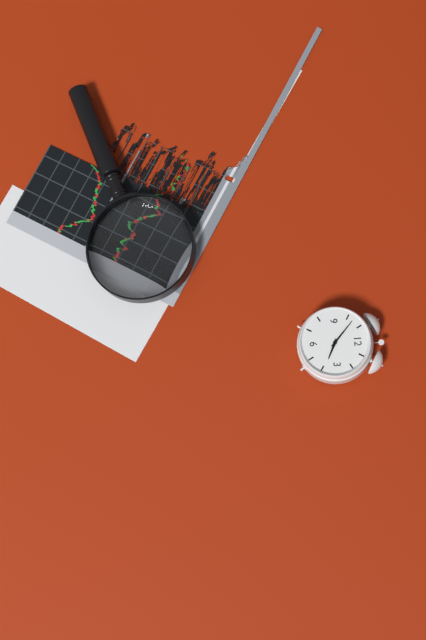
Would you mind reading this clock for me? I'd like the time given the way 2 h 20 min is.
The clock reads 3 h 52 min
